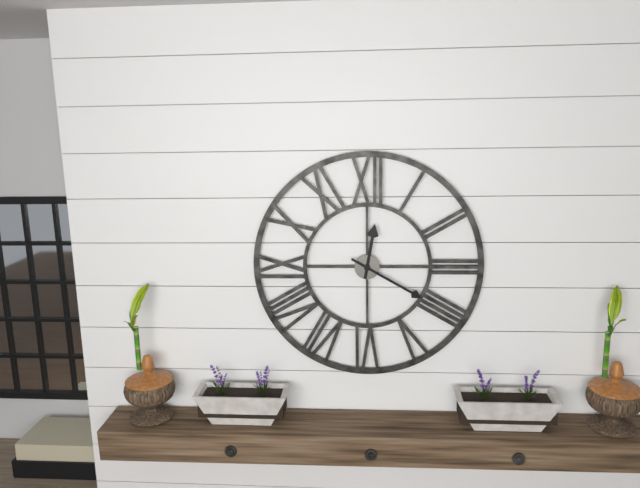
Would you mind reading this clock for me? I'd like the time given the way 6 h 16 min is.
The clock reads 12 h 20 min
